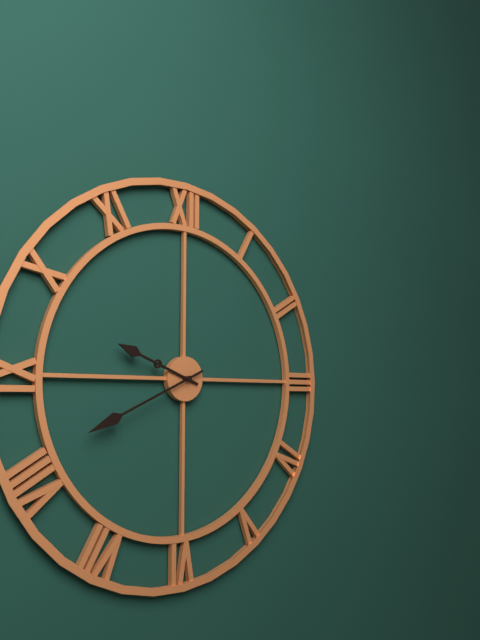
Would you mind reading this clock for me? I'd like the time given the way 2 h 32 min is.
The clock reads 9 h 41 min
